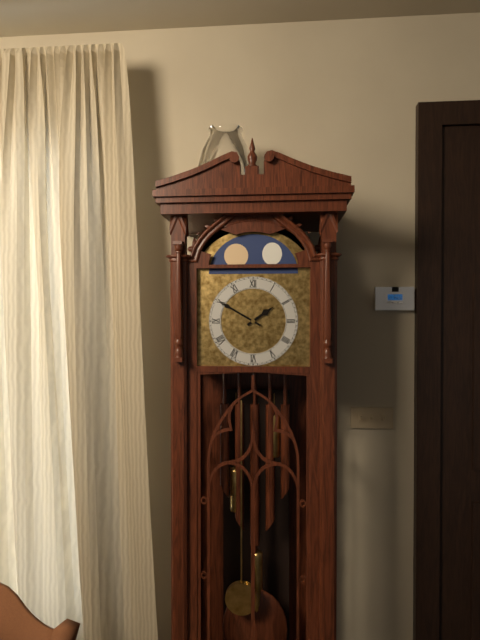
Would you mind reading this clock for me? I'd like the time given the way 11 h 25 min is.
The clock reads 1 h 50 min
